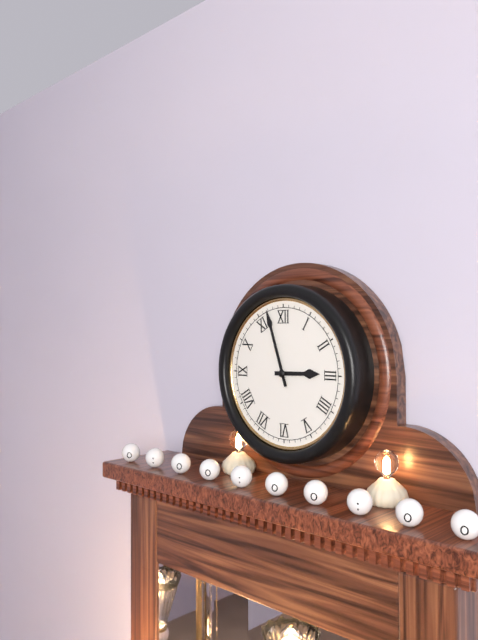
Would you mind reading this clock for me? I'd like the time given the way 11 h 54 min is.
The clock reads 2 h 57 min
